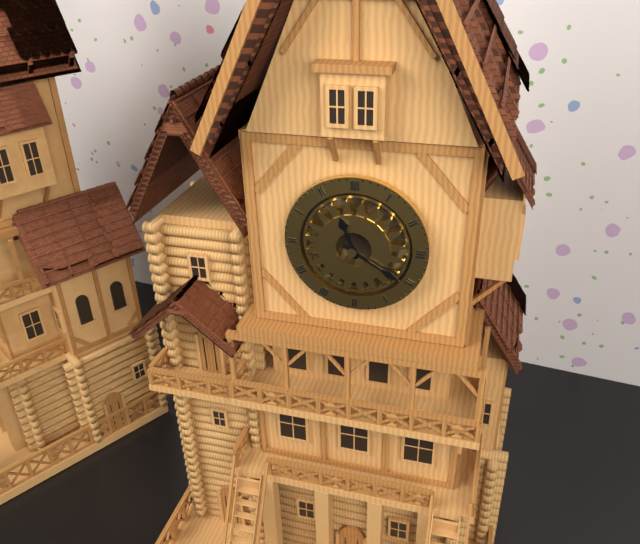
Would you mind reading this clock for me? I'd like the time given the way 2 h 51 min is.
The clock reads 11 h 20 min
